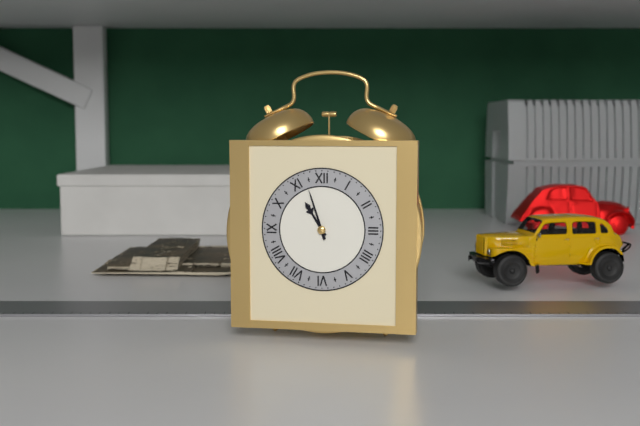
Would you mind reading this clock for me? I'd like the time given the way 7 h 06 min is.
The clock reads 10 h 57 min
